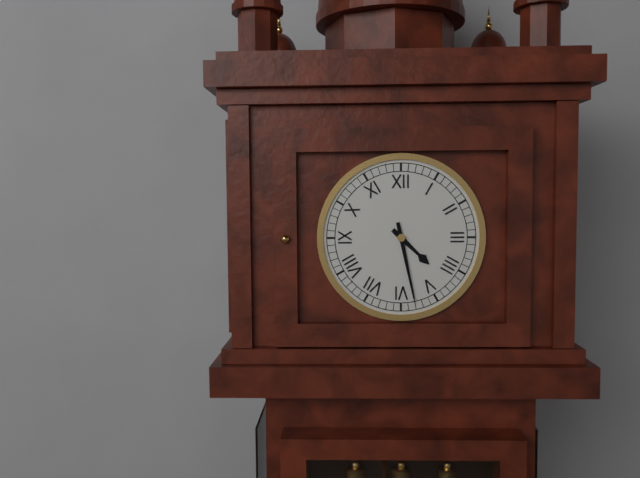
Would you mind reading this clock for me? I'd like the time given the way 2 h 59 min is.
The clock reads 4 h 28 min
